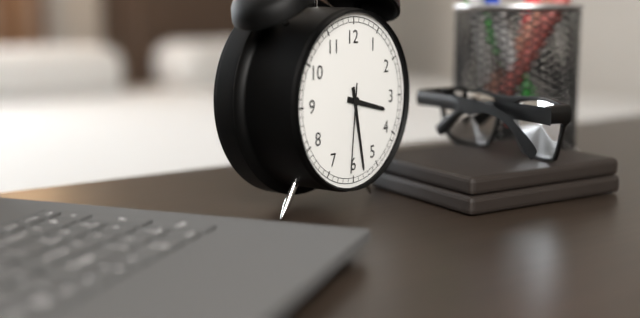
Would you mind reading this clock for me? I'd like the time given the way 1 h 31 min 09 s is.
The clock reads 3 h 28 min 31 s
